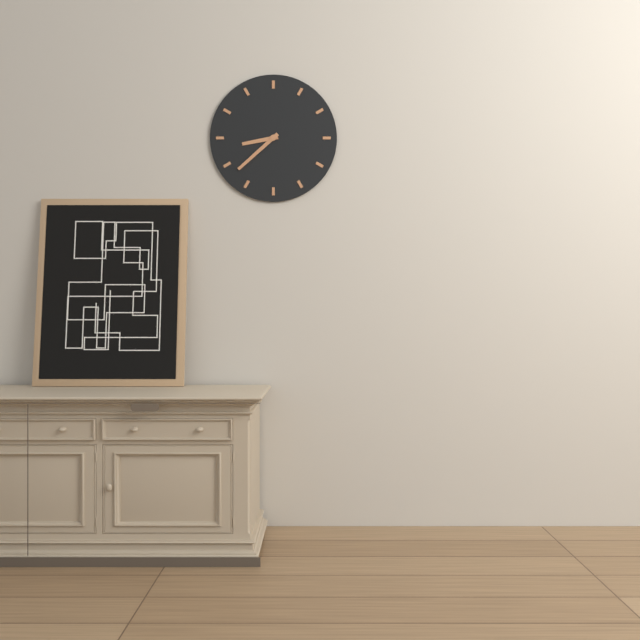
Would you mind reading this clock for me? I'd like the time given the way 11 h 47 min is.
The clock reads 8 h 38 min
